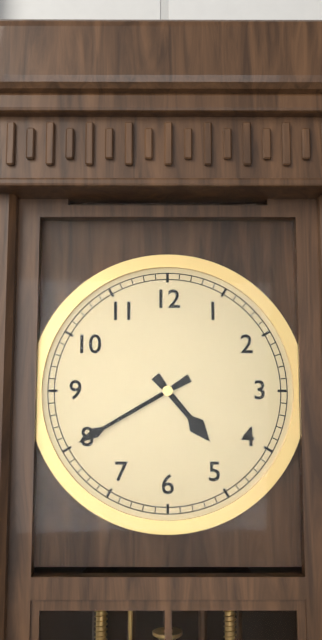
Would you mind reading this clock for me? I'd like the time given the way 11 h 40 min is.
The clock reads 4 h 40 min
